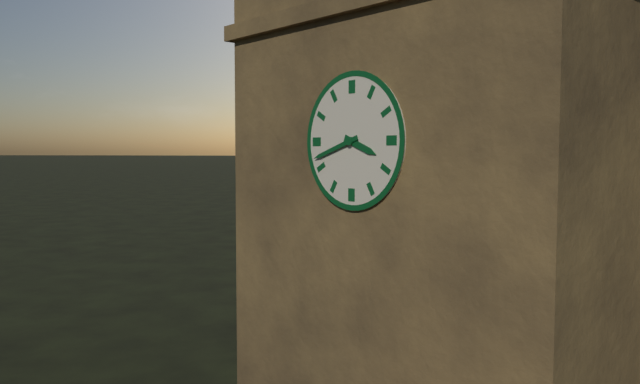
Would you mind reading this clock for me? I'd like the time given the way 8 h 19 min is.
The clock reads 3 h 42 min
